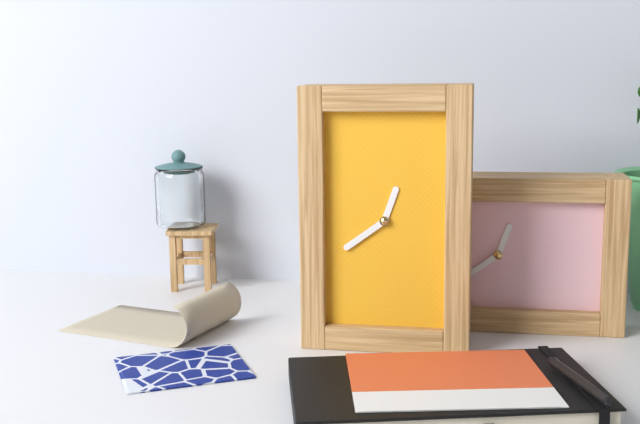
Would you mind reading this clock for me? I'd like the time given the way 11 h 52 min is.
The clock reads 12 h 39 min
